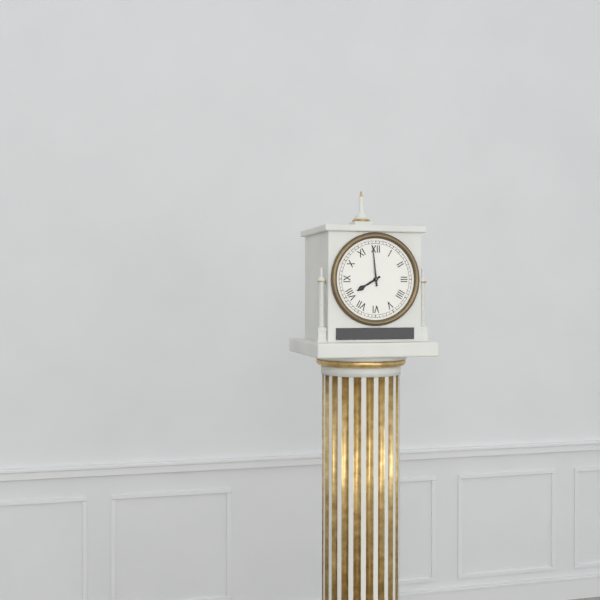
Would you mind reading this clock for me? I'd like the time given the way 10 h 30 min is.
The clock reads 7 h 59 min
